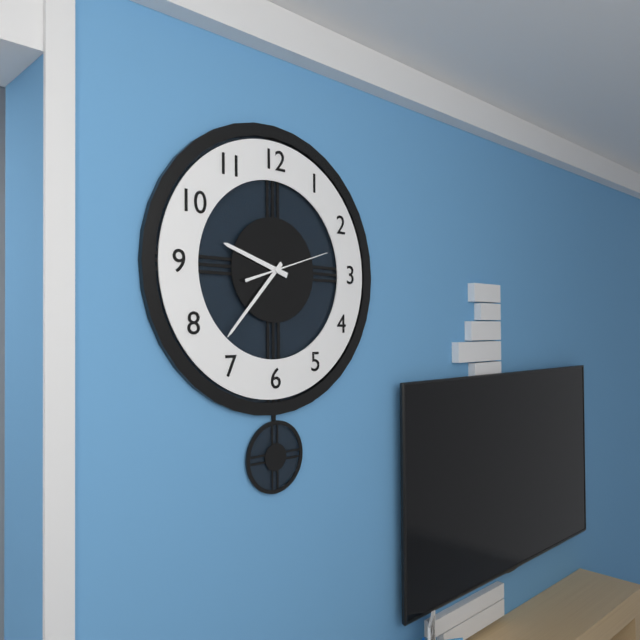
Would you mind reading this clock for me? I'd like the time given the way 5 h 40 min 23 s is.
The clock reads 9 h 37 min 12 s
